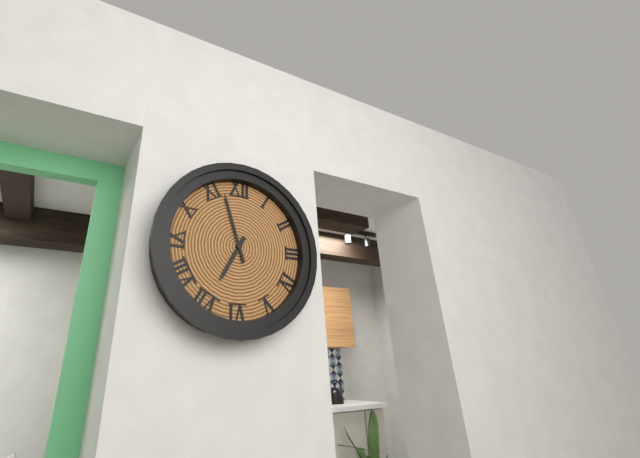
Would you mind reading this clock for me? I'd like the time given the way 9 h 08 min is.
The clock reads 6 h 57 min
